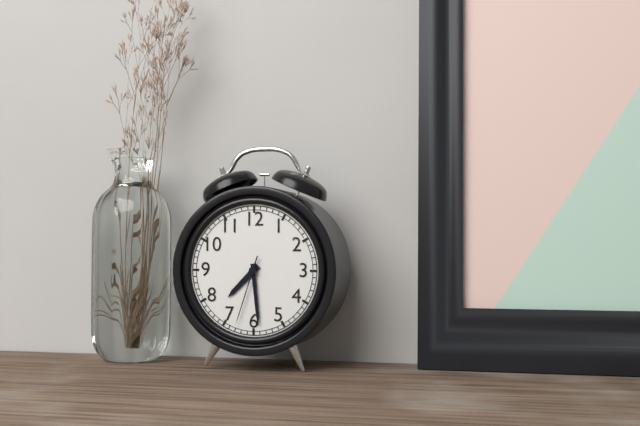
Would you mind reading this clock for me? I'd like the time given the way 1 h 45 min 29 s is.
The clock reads 7 h 29 min 33 s
